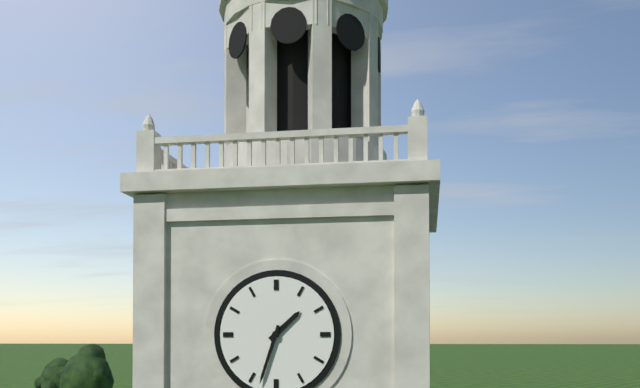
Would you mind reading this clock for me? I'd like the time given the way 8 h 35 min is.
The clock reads 1 h 33 min
